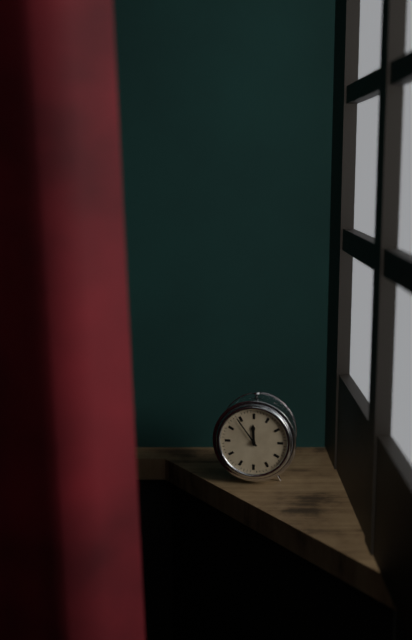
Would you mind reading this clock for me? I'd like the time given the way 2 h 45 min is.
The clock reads 11 h 54 min
